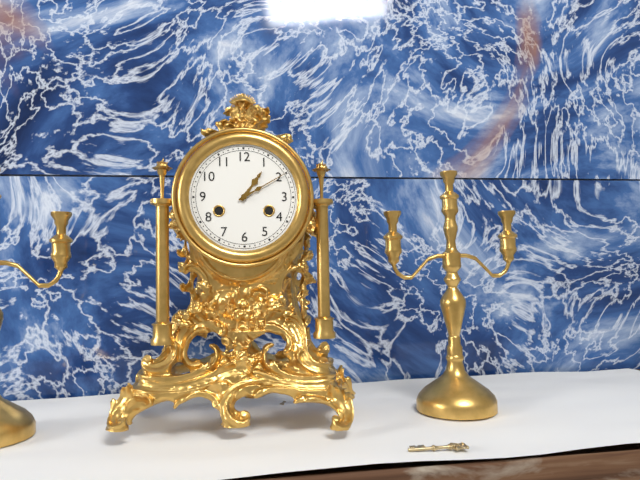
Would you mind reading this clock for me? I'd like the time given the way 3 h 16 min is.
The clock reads 1 h 10 min
